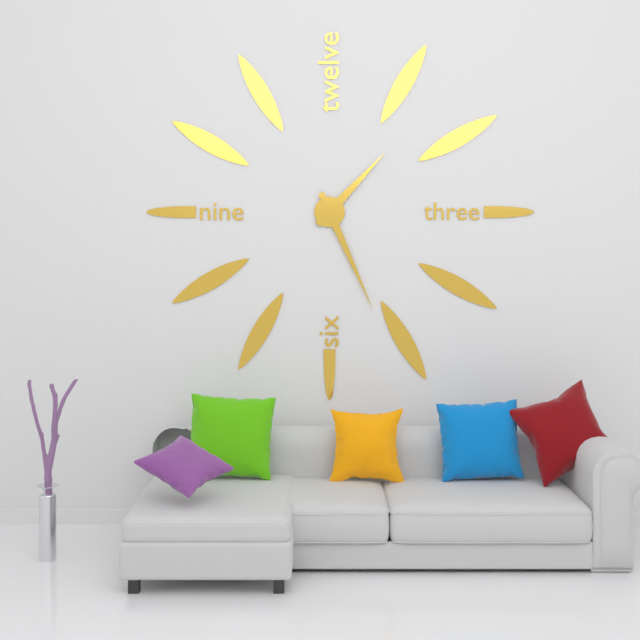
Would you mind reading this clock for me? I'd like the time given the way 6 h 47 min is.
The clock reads 1 h 26 min
